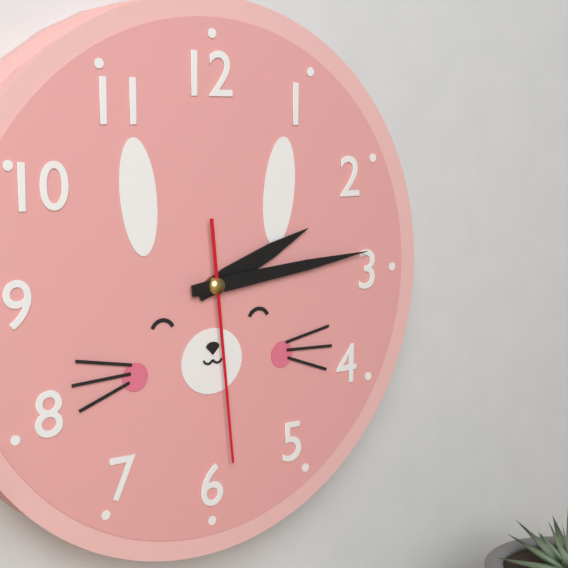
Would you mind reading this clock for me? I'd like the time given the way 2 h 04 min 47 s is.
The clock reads 2 h 14 min 29 s
